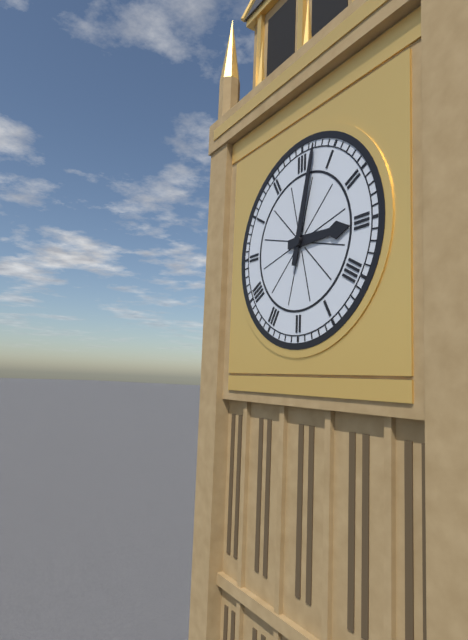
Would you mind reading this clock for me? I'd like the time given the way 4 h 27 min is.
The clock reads 3 h 02 min
